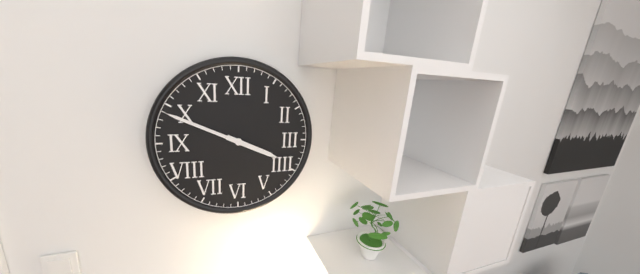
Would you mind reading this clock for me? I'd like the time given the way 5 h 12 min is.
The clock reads 3 h 49 min
